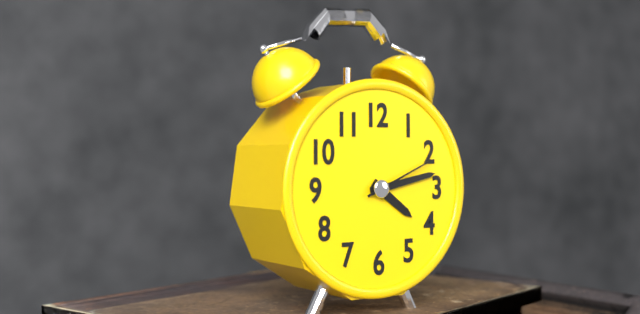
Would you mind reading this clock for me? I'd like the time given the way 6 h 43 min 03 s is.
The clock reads 4 h 13 min 11 s
